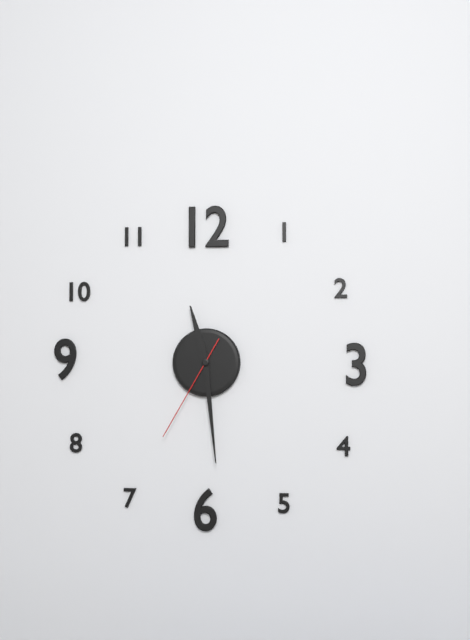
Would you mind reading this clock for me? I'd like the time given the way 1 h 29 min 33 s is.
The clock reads 11 h 29 min 35 s
